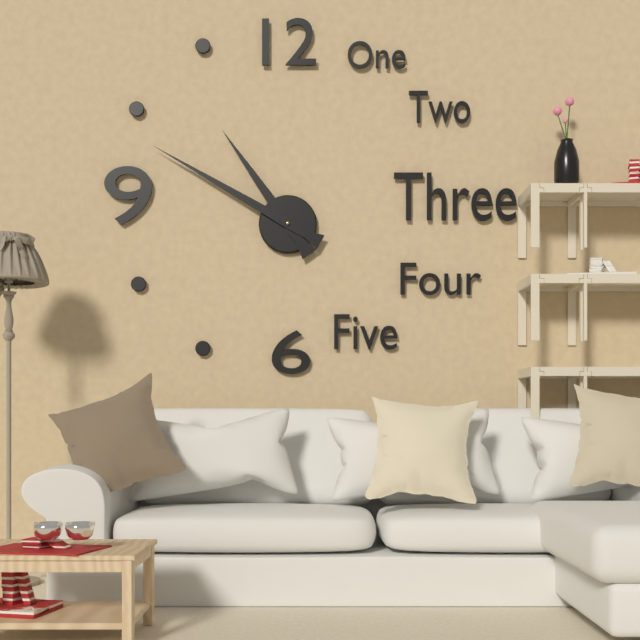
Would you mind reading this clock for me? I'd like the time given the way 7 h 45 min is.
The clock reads 10 h 50 min
